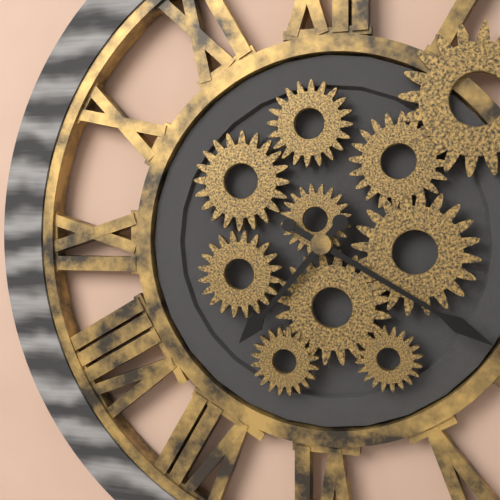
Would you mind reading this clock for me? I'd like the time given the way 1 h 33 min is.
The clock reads 7 h 20 min
